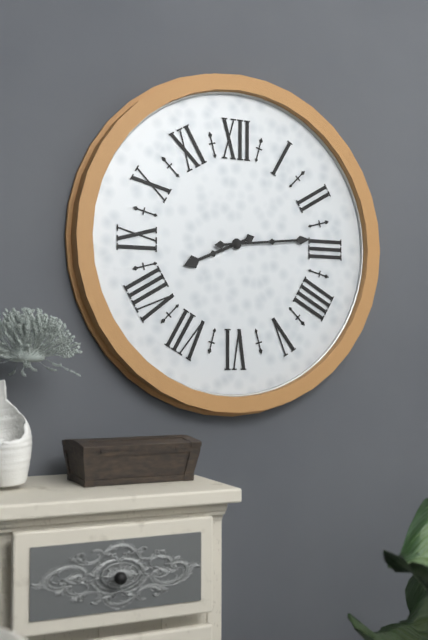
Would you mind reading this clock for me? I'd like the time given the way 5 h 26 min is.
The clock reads 8 h 14 min
